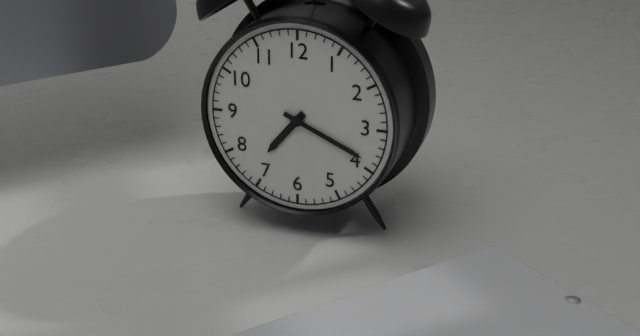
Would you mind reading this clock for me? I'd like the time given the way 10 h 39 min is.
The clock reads 7 h 19 min
